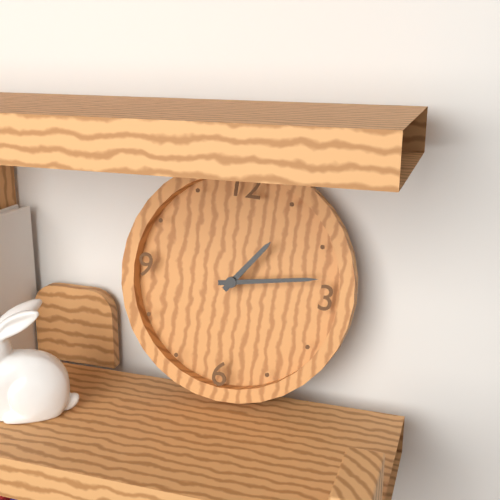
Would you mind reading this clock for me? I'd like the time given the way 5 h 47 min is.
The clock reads 1 h 13 min
